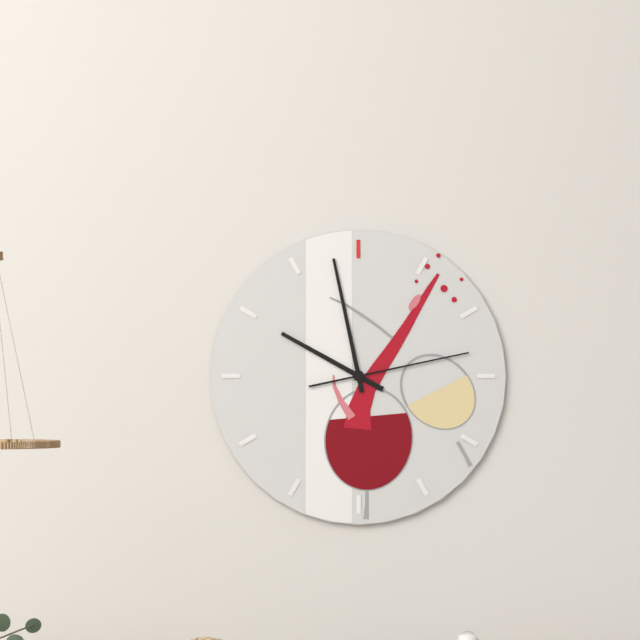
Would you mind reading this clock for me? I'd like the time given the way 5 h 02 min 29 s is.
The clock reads 9 h 58 min 13 s
